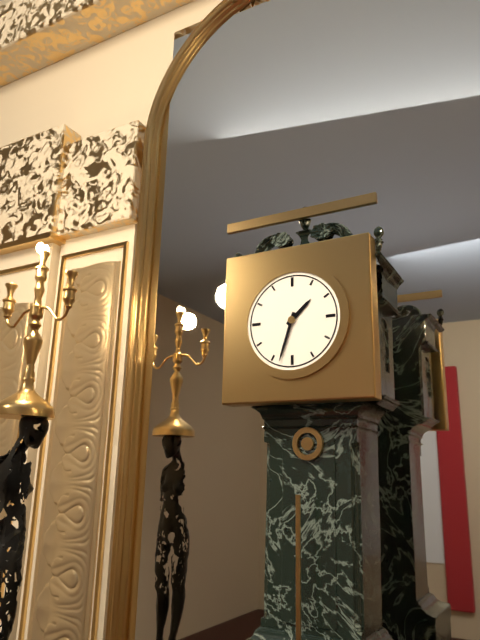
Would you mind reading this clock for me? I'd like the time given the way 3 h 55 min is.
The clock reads 1 h 33 min
